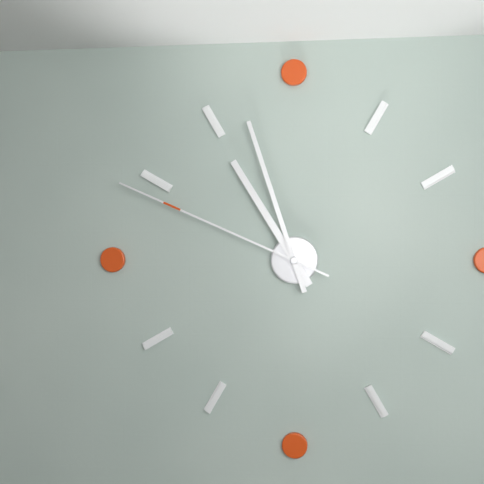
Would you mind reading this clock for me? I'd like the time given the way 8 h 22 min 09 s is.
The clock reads 10 h 57 min 49 s
